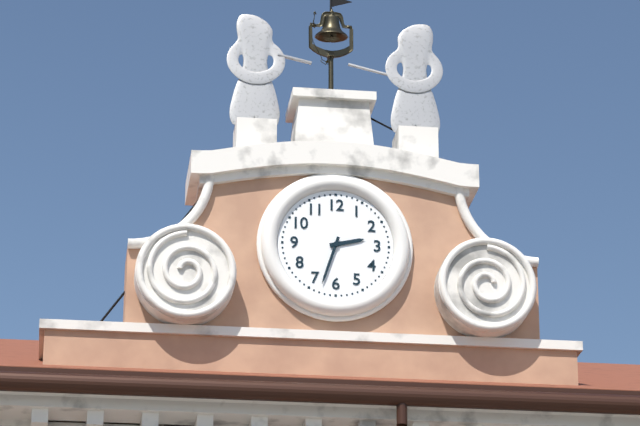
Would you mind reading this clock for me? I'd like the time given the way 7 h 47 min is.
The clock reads 2 h 33 min
